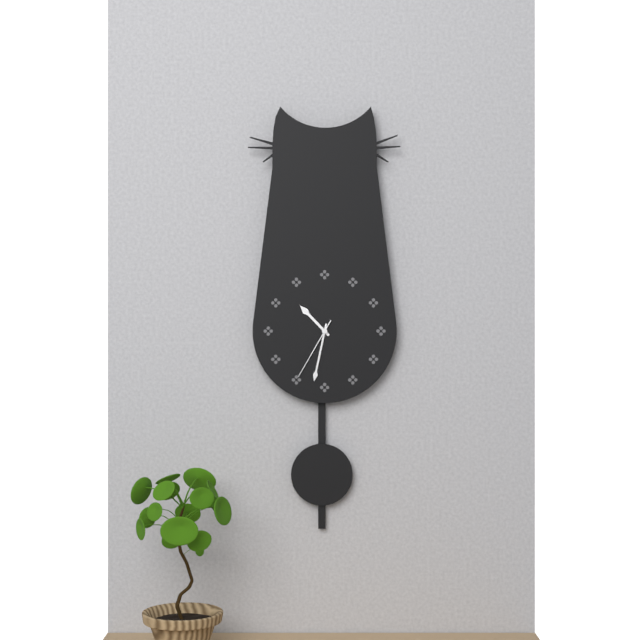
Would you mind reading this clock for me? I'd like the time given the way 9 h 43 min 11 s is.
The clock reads 10 h 32 min 35 s
